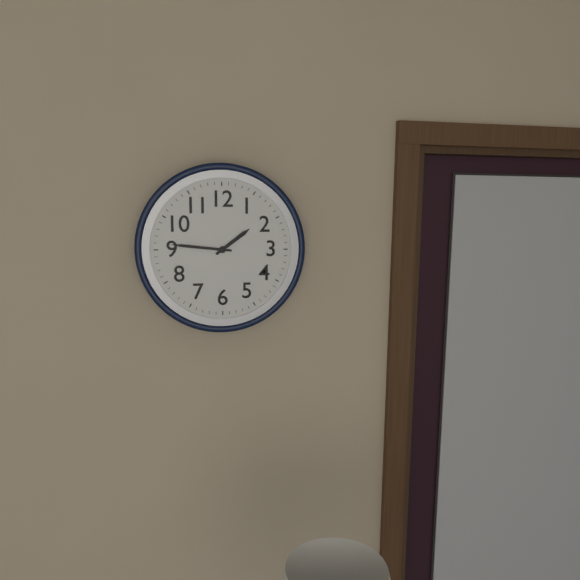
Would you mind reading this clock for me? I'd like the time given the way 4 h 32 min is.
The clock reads 1 h 46 min
